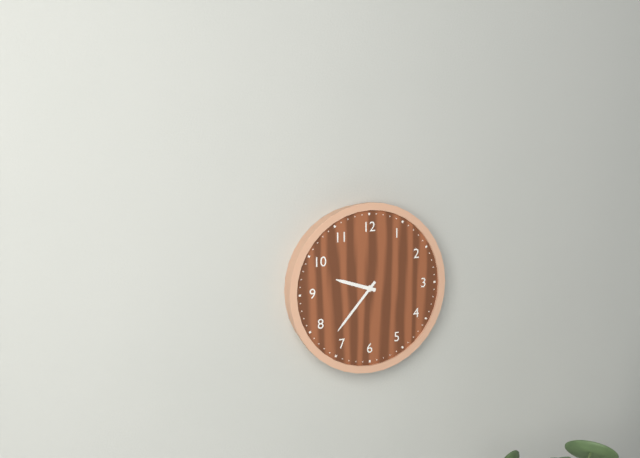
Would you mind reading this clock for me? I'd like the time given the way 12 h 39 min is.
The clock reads 9 h 37 min
